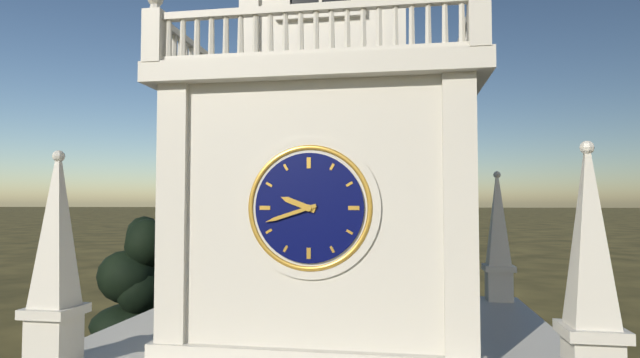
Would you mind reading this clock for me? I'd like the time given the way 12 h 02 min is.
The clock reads 9 h 42 min
